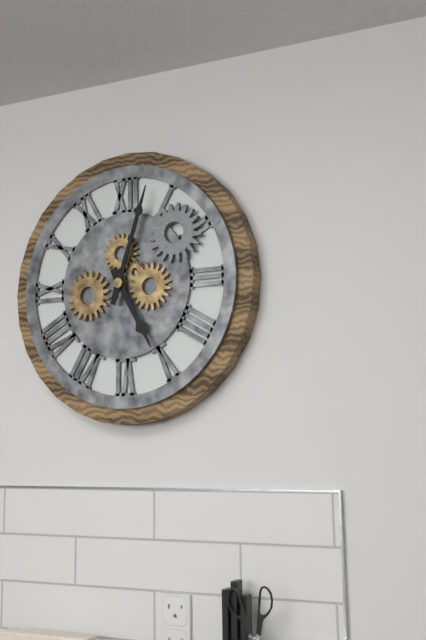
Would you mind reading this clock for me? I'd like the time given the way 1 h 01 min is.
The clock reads 5 h 03 min
